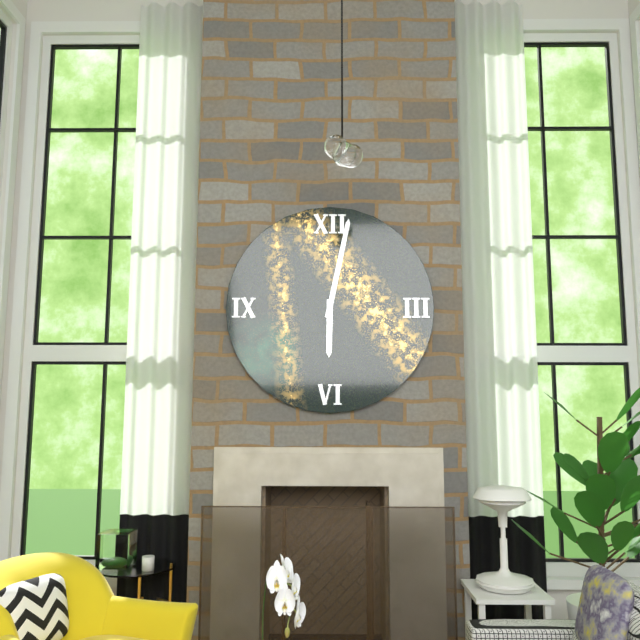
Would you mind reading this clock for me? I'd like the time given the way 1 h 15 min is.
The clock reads 6 h 02 min
